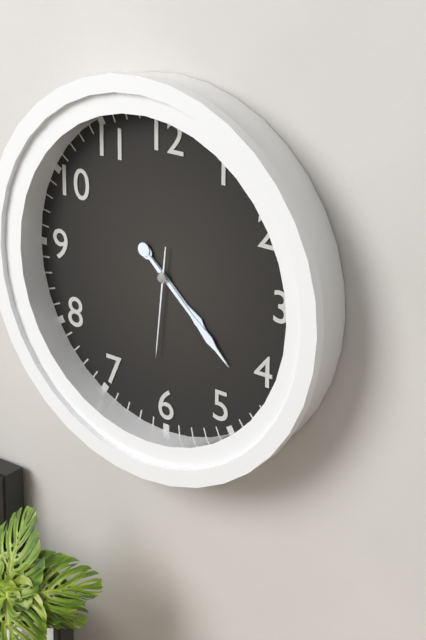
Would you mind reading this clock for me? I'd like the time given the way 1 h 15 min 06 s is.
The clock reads 4 h 22 min 31 s
